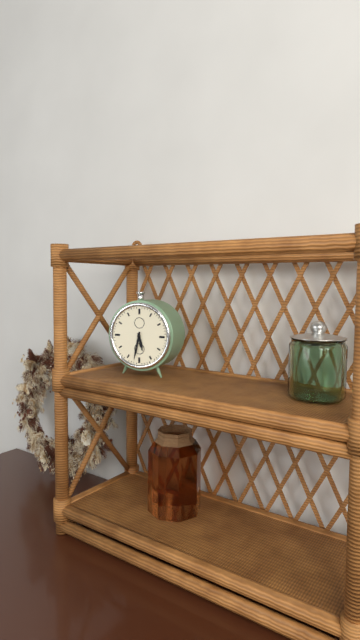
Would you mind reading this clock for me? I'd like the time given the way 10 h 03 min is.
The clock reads 5 h 32 min
